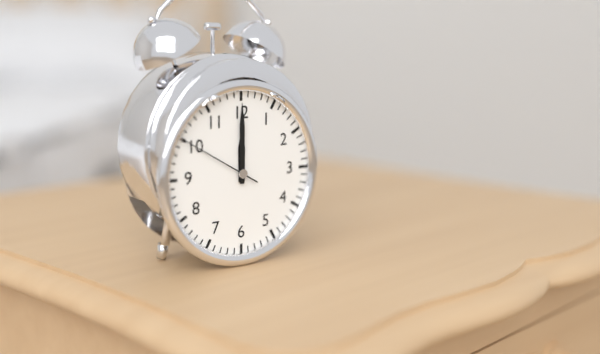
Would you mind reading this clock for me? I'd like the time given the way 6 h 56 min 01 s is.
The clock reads 12 h 00 min 50 s
